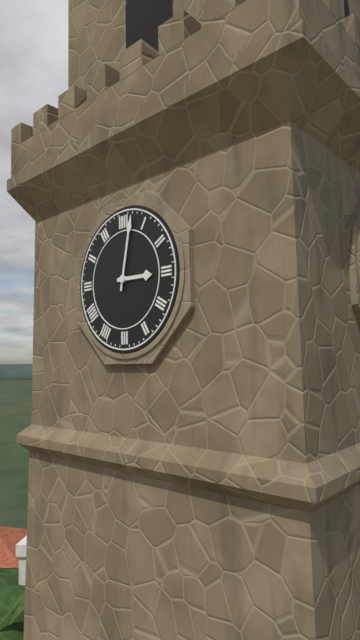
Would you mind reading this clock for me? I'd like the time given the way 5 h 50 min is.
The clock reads 3 h 02 min
